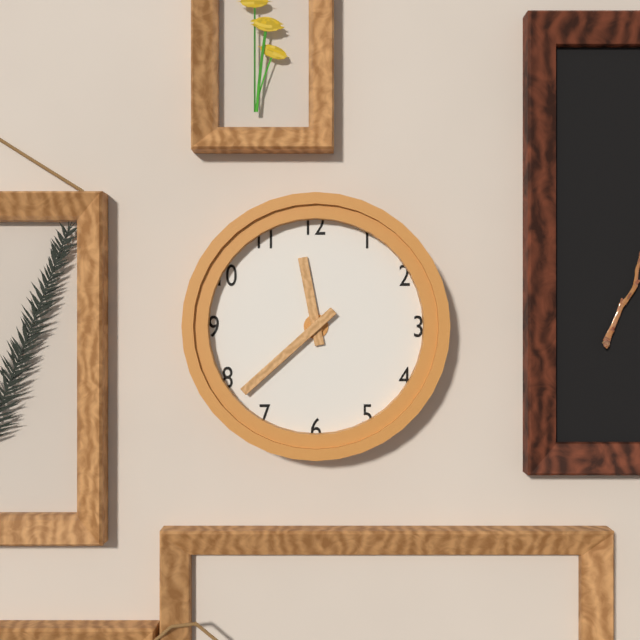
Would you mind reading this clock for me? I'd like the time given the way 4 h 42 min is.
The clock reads 11 h 38 min
